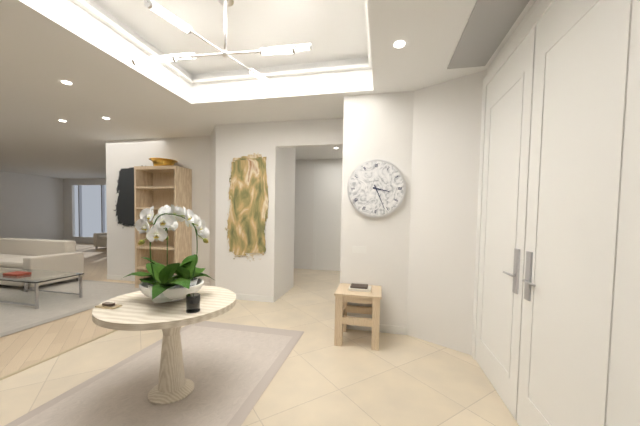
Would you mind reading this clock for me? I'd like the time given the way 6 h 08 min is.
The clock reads 3 h 26 min
